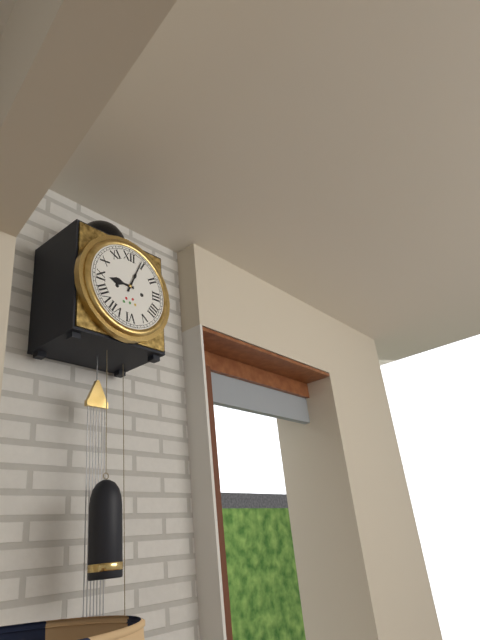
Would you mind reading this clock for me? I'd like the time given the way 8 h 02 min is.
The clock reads 9 h 04 min
